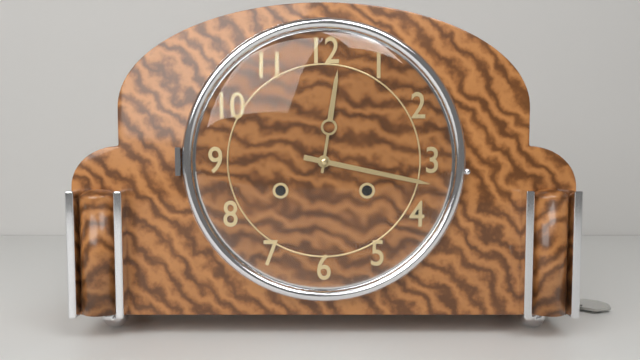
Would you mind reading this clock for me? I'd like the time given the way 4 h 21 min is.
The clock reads 12 h 17 min
